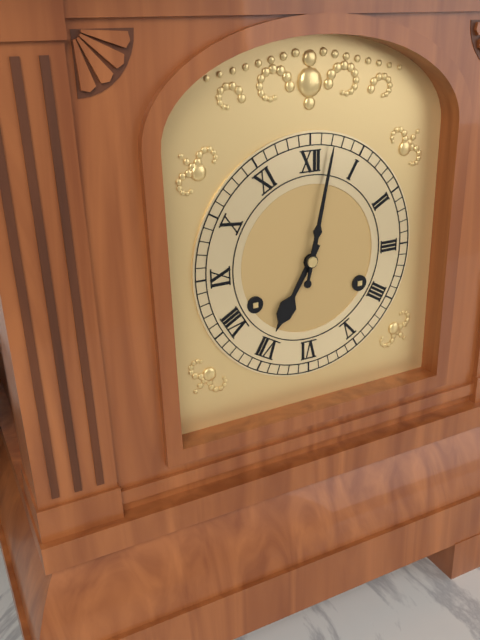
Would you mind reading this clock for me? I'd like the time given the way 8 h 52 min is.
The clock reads 7 h 02 min
